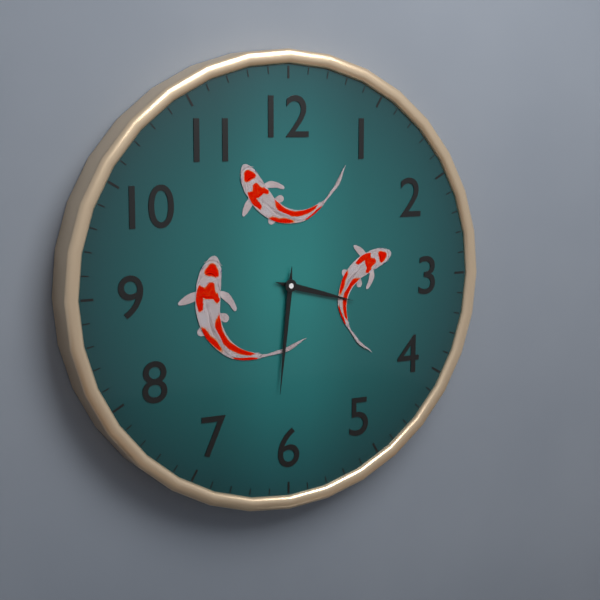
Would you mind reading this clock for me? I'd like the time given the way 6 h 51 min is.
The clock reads 3 h 31 min
